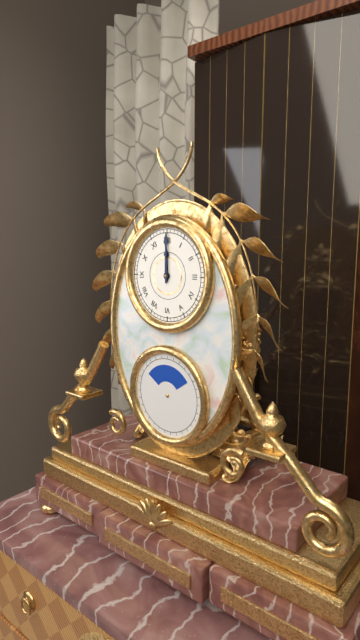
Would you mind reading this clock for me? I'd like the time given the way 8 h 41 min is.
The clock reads 12 h 00 min
